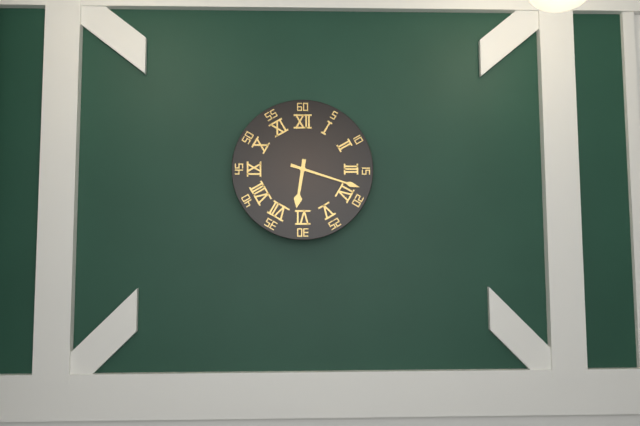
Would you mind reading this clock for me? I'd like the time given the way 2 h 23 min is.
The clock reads 6 h 18 min
